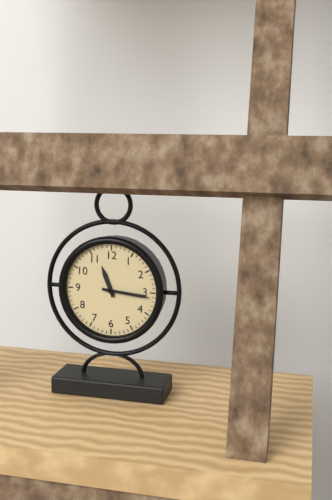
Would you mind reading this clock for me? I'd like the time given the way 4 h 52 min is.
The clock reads 11 h 16 min
